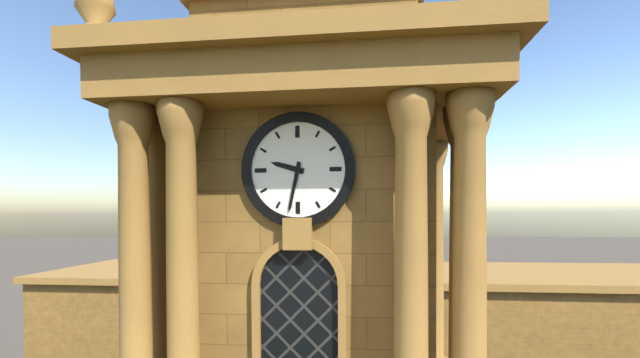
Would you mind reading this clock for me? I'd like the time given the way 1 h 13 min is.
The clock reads 9 h 32 min
